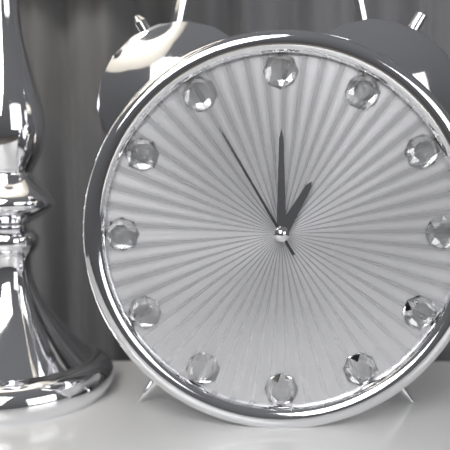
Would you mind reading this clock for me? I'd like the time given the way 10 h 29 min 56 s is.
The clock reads 1 h 00 min 55 s
